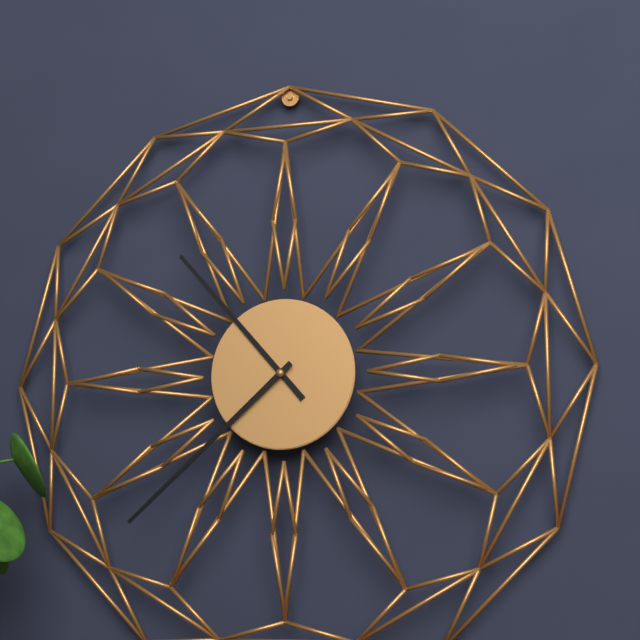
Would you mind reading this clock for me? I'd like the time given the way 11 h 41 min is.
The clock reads 10 h 38 min
